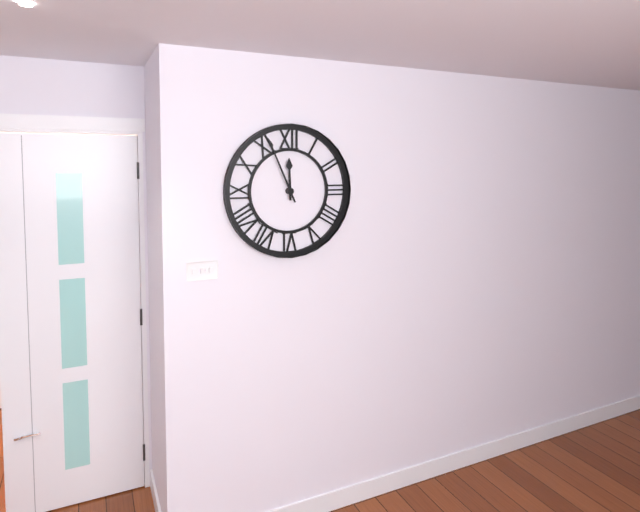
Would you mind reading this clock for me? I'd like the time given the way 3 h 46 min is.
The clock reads 11 h 56 min
